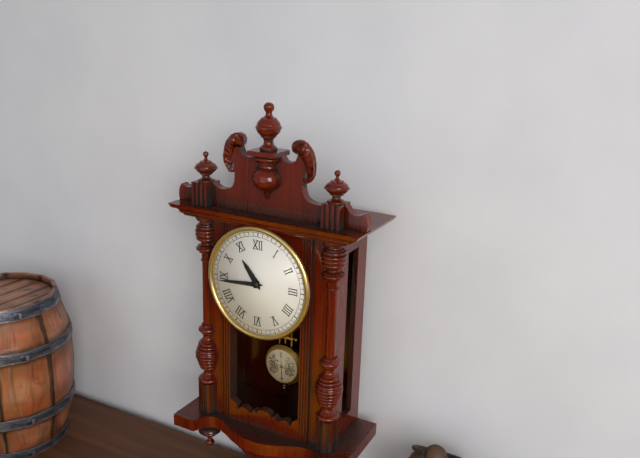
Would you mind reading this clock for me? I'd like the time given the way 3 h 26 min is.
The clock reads 10 h 44 min
